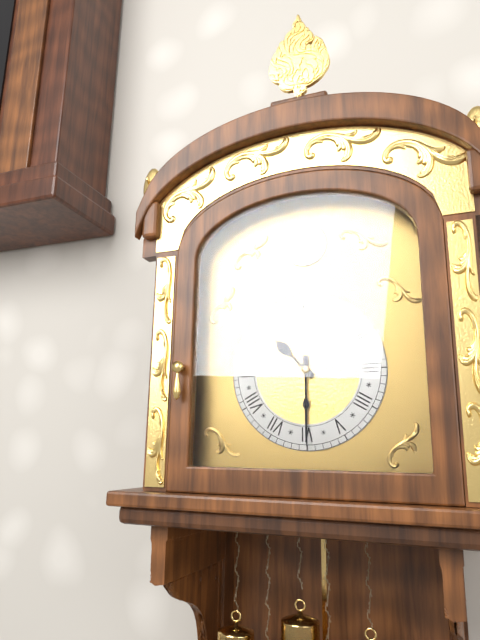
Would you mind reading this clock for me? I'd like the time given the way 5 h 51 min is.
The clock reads 10 h 30 min
